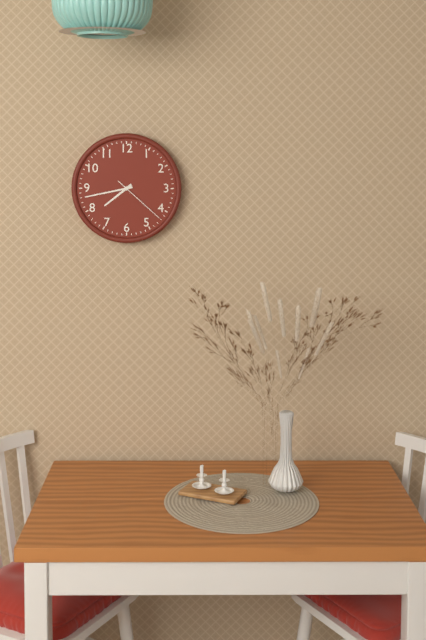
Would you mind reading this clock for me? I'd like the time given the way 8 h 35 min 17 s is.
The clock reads 7 h 43 min 22 s
